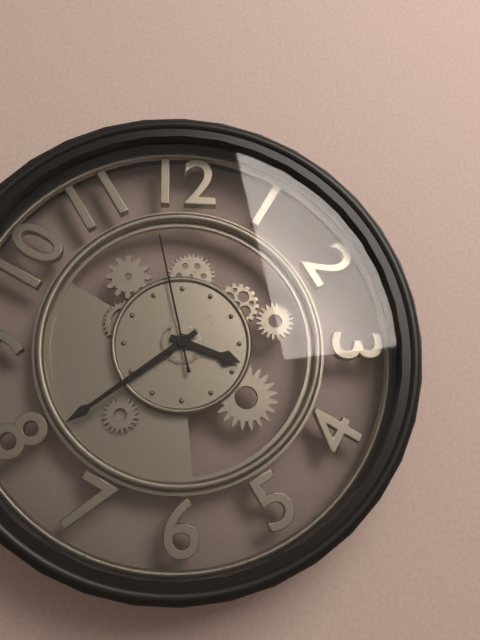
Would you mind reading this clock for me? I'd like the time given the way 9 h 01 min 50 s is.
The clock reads 3 h 39 min 58 s
